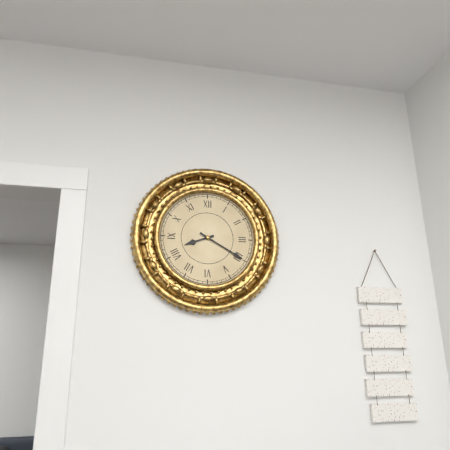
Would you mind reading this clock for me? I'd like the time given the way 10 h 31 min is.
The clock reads 8 h 20 min
